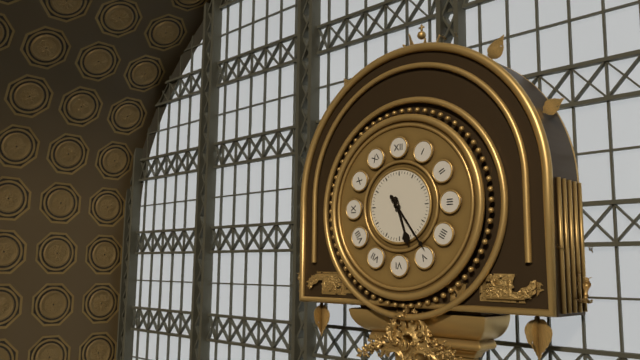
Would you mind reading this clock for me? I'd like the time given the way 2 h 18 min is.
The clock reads 5 h 24 min
